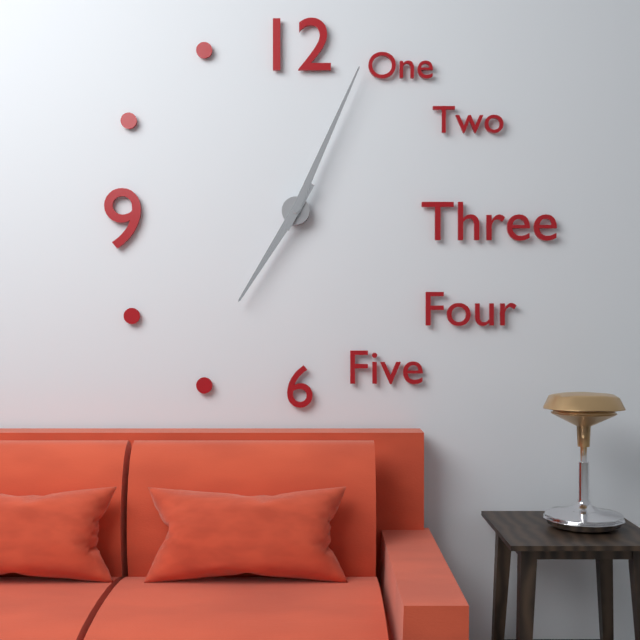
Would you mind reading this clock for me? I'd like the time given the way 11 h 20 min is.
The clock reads 7 h 04 min
